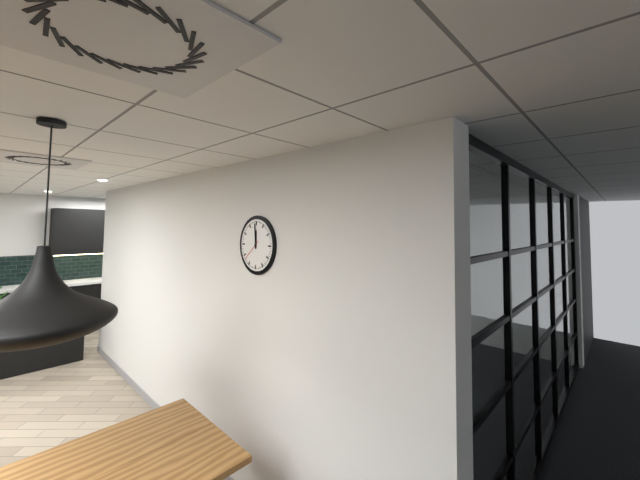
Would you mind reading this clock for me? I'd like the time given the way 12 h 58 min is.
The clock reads 11 h 59 min
